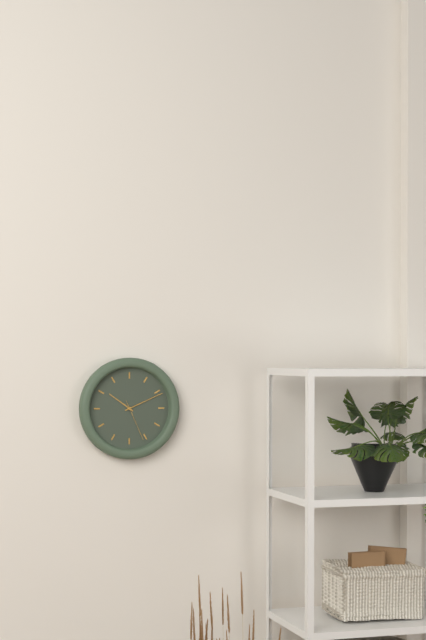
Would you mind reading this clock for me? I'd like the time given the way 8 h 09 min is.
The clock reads 10 h 11 min
